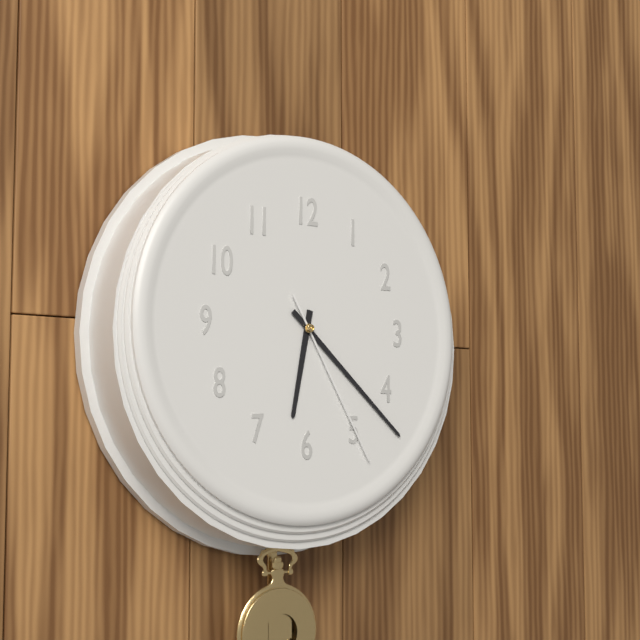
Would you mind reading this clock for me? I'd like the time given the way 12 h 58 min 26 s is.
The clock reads 6 h 22 min 25 s
